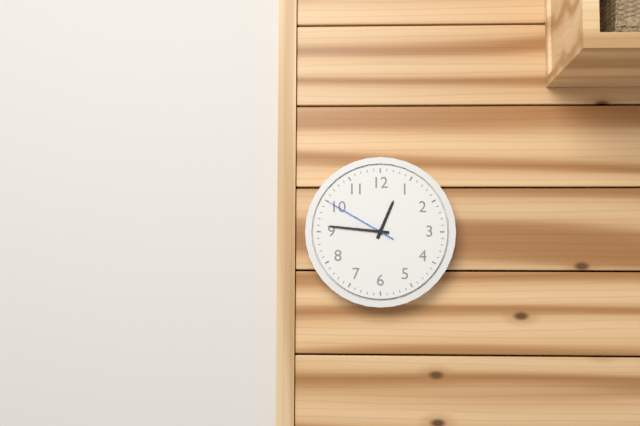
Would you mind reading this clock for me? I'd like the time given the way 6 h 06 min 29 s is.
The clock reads 12 h 46 min 50 s
